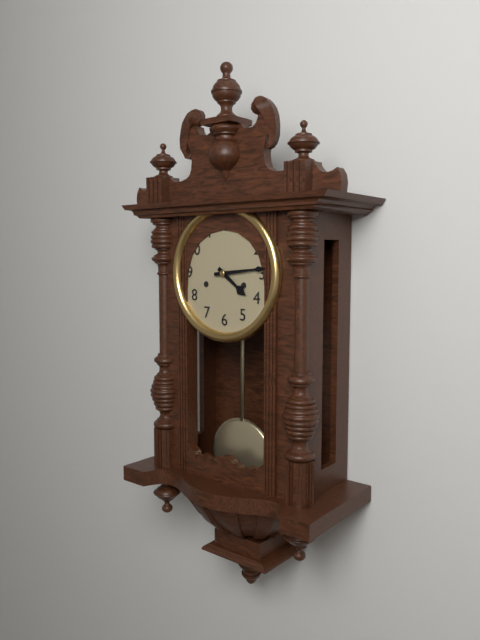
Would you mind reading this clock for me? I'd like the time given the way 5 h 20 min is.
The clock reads 4 h 14 min
